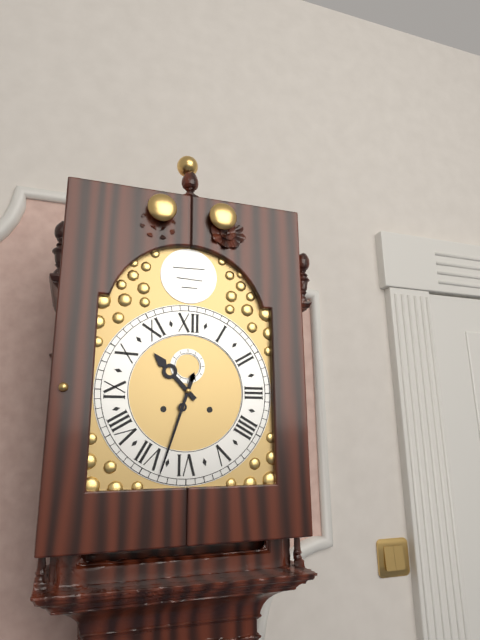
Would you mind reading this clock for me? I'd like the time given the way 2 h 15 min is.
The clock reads 10 h 33 min
